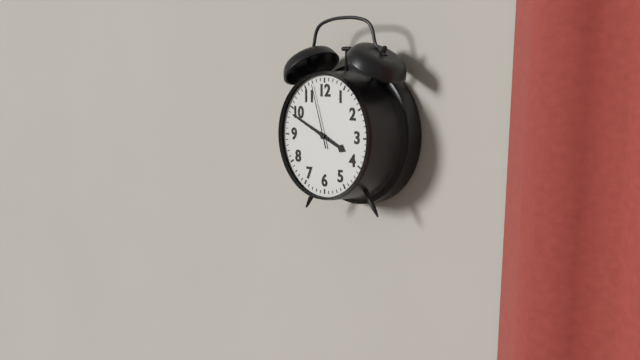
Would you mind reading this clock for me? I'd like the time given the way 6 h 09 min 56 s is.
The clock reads 3 h 49 min 57 s
